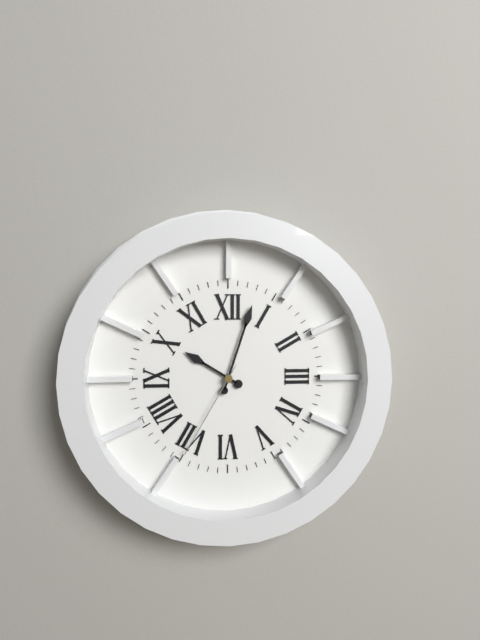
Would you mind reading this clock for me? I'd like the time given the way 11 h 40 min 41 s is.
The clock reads 10 h 03 min 35 s
